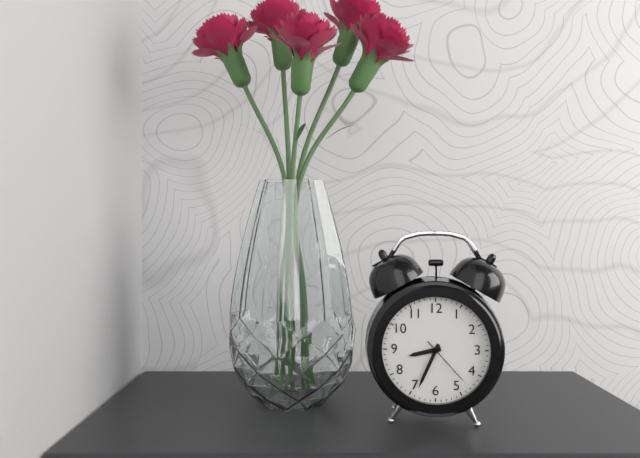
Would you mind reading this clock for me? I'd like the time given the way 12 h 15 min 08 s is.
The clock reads 8 h 34 min 23 s
